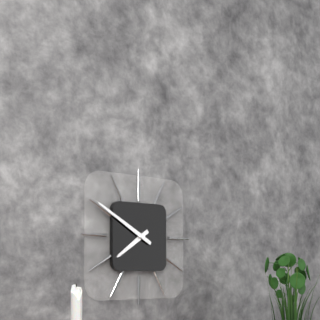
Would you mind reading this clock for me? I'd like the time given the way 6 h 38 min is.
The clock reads 7 h 50 min
